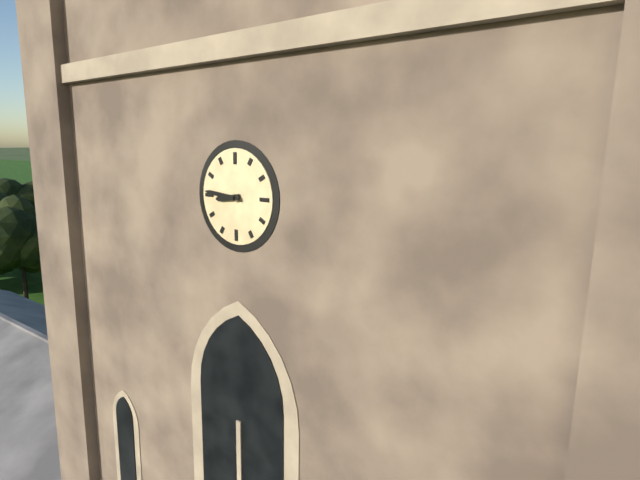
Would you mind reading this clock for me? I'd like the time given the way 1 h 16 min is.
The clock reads 8 h 46 min
